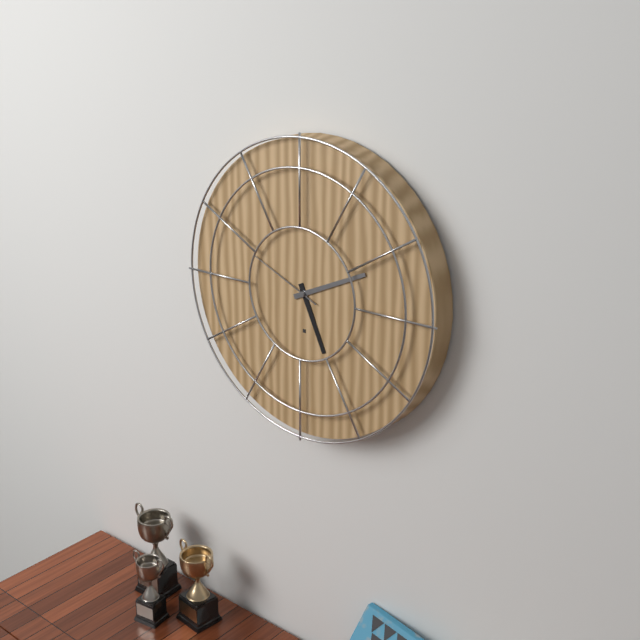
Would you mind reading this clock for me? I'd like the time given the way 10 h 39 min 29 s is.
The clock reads 5 h 11 min 49 s
